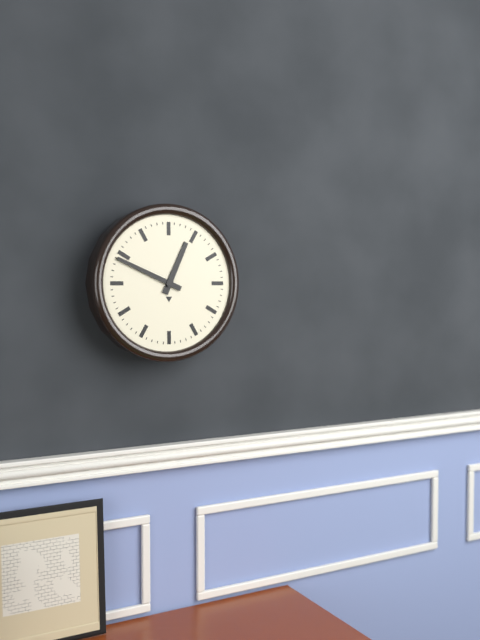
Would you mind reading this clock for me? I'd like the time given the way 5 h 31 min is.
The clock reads 12 h 49 min
